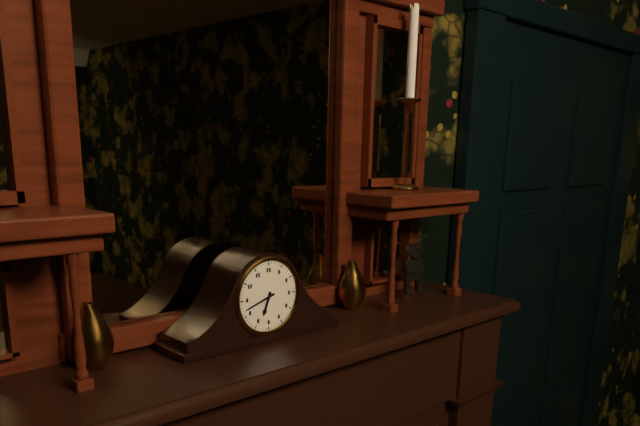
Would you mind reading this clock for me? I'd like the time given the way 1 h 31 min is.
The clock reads 6 h 42 min
